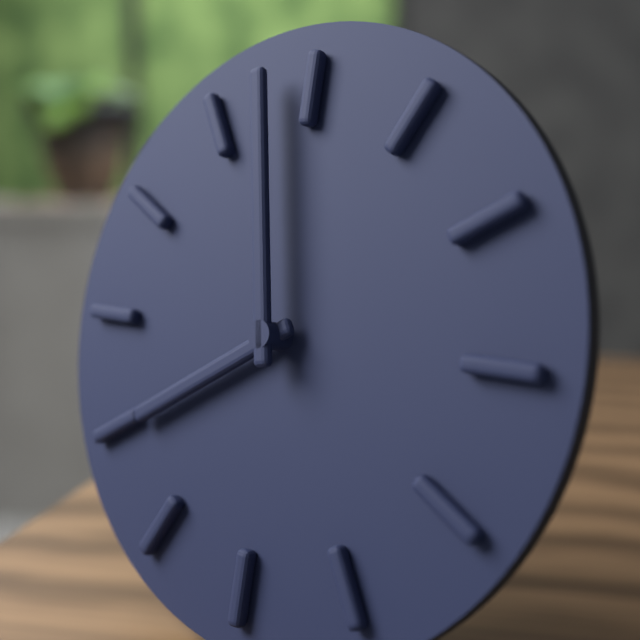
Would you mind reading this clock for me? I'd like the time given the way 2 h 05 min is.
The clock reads 7 h 58 min
